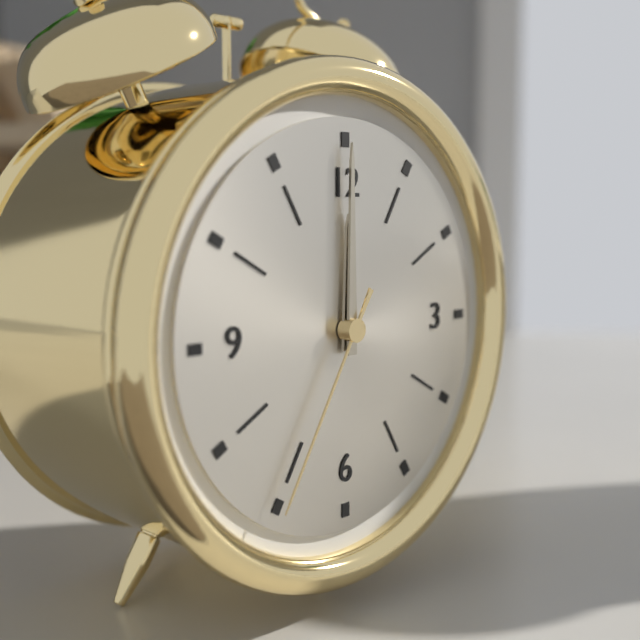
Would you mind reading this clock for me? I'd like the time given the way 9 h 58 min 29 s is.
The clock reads 12 h 00 min 35 s
